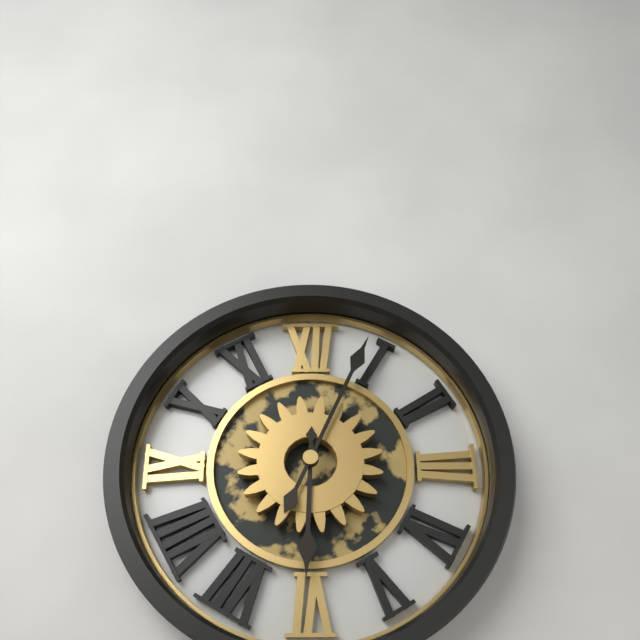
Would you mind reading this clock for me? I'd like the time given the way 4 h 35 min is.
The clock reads 6 h 04 min
